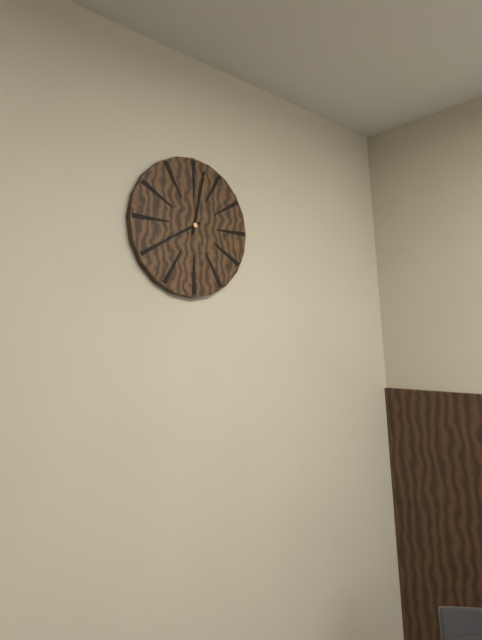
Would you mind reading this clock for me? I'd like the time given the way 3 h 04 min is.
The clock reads 8 h 02 min
